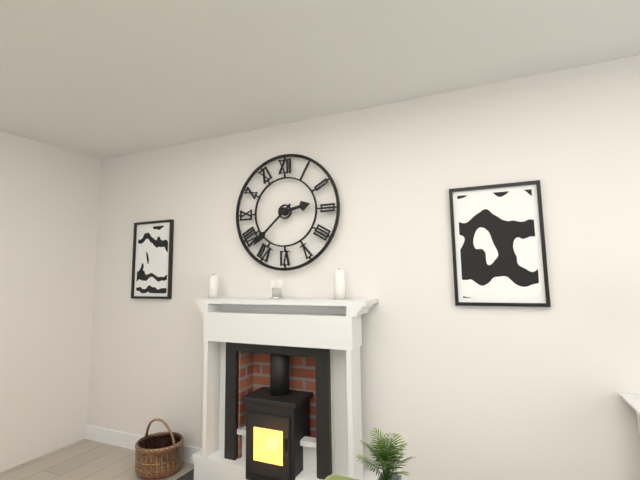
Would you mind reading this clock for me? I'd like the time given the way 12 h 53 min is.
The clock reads 2 h 38 min
